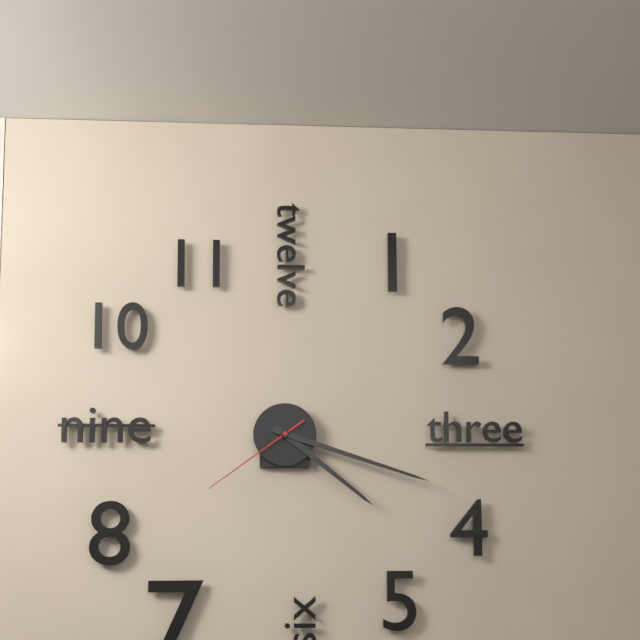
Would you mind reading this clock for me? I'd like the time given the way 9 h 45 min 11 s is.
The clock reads 4 h 18 min 39 s
